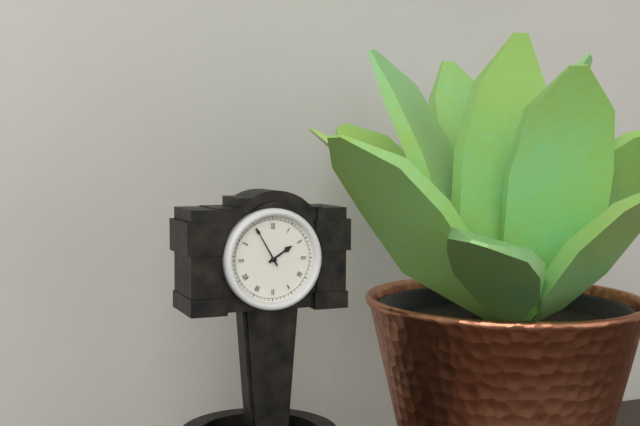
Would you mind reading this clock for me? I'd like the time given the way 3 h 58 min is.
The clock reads 1 h 55 min
